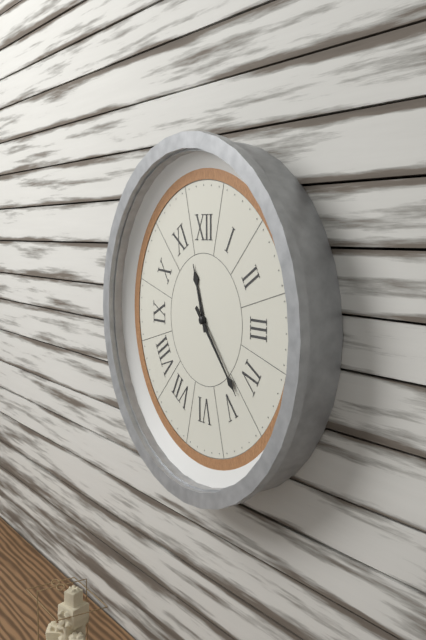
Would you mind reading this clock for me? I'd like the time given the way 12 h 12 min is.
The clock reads 11 h 23 min
